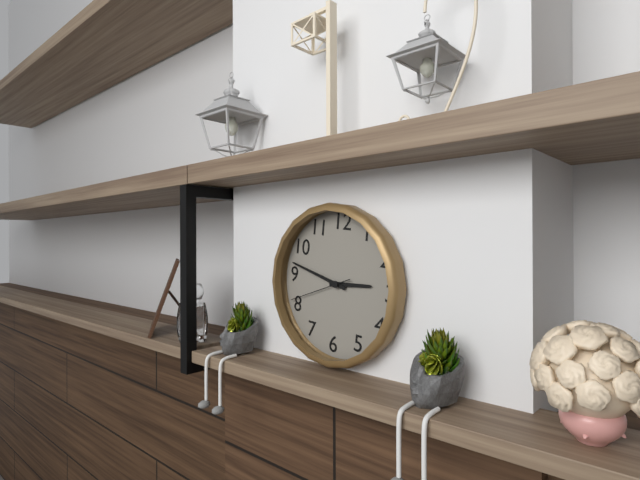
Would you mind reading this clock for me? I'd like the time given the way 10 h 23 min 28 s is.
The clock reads 2 h 47 min 41 s
